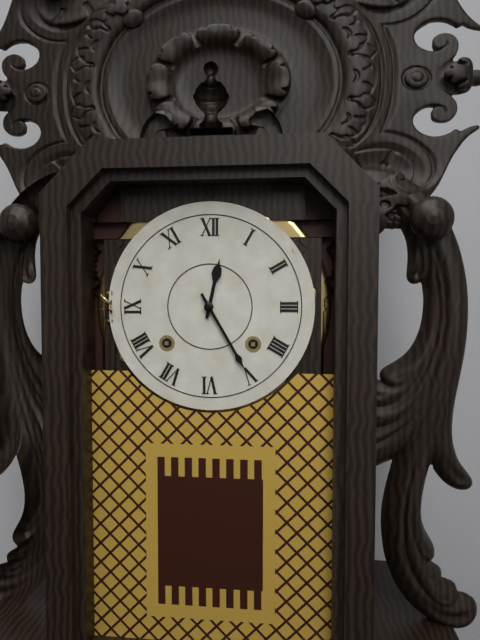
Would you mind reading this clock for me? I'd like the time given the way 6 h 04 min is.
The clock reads 12 h 25 min
